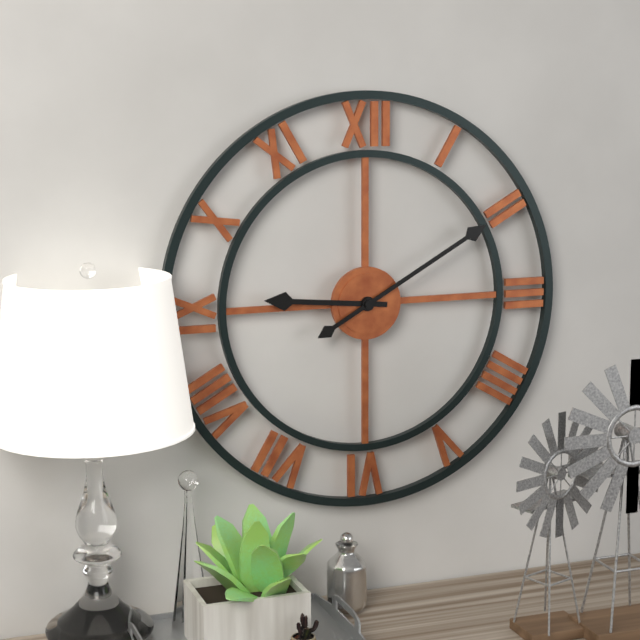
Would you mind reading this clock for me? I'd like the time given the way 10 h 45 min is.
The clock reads 9 h 10 min
